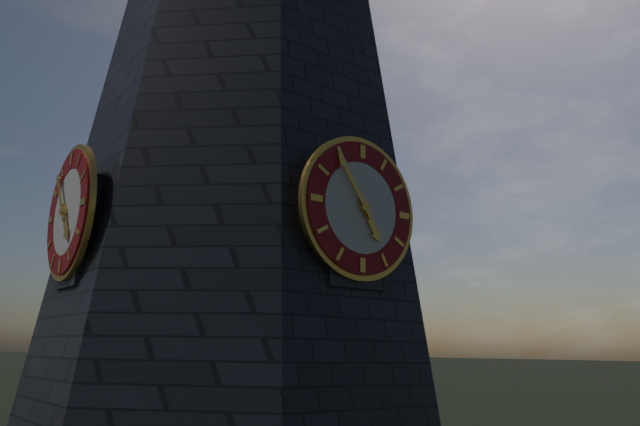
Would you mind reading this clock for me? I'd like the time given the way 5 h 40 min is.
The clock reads 4 h 54 min
